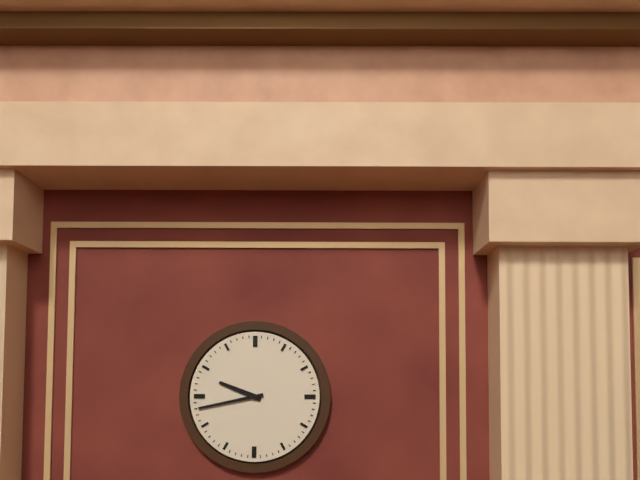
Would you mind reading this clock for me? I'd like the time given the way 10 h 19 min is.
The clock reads 9 h 43 min
